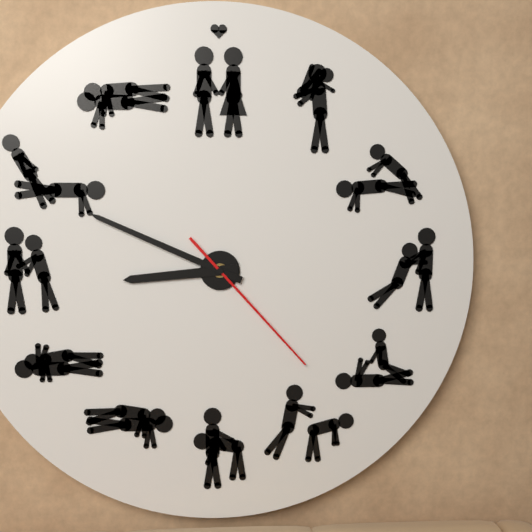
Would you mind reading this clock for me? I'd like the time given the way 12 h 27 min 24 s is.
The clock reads 8 h 49 min 23 s
